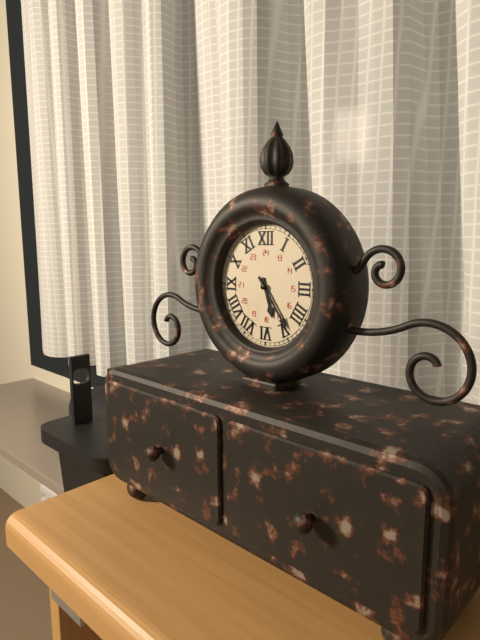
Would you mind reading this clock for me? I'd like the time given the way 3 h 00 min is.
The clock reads 5 h 24 min
